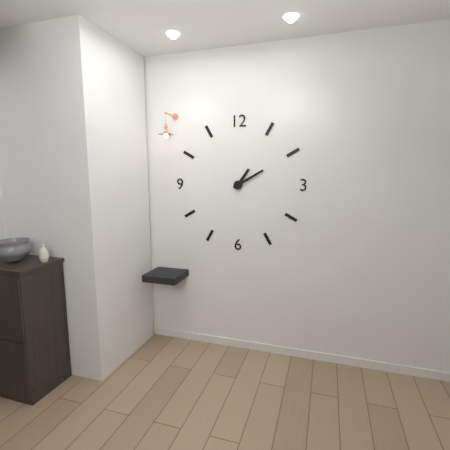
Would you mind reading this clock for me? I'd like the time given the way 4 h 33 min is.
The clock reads 1 h 10 min
